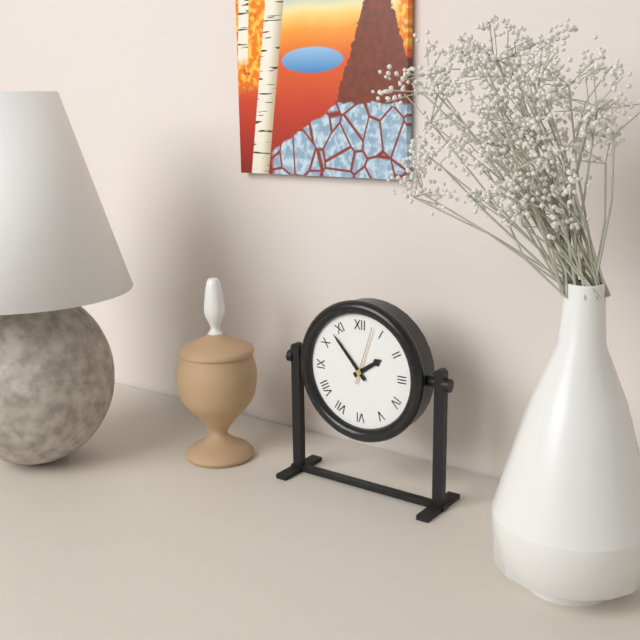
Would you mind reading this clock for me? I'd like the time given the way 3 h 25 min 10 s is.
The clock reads 1 h 53 min 03 s
